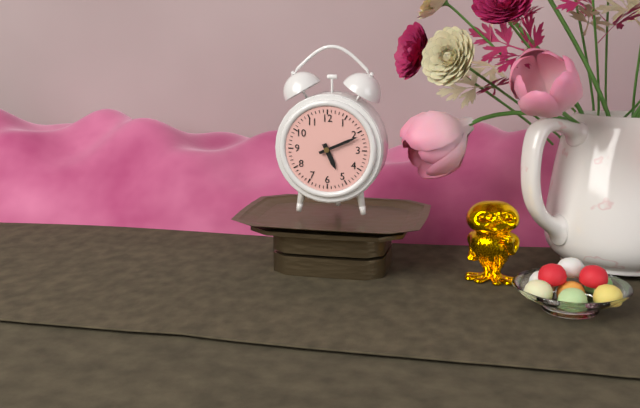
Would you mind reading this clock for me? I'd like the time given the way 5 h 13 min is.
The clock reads 5 h 11 min
